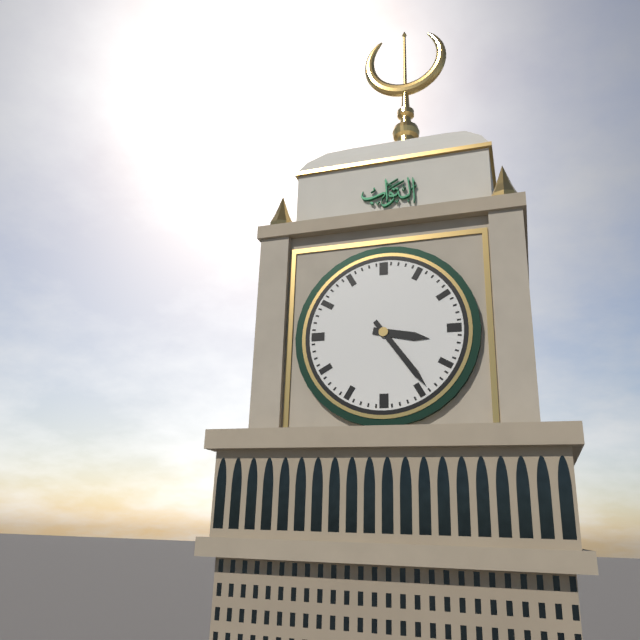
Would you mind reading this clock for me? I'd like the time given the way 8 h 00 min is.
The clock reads 3 h 24 min
